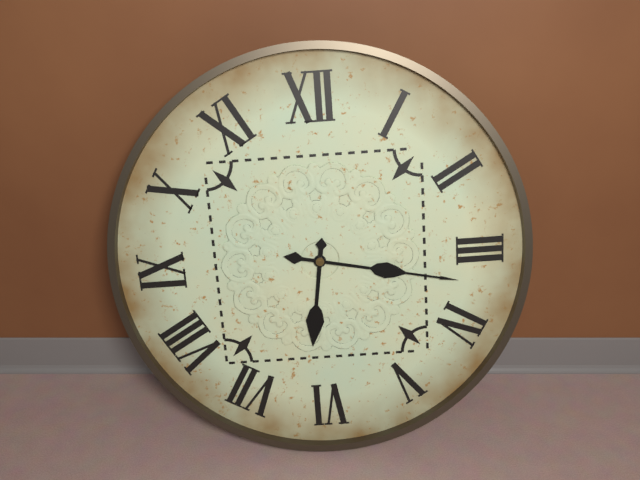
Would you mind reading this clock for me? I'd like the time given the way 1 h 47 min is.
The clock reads 6 h 17 min
